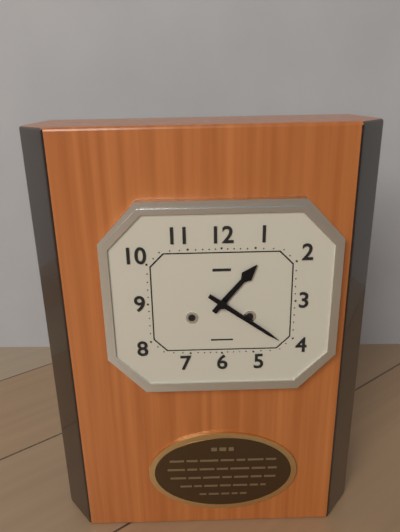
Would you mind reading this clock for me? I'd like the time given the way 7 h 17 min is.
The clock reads 1 h 21 min
